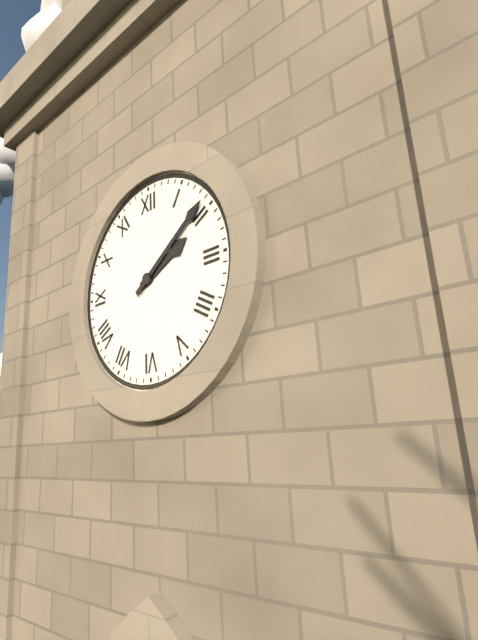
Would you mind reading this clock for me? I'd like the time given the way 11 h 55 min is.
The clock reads 2 h 09 min
